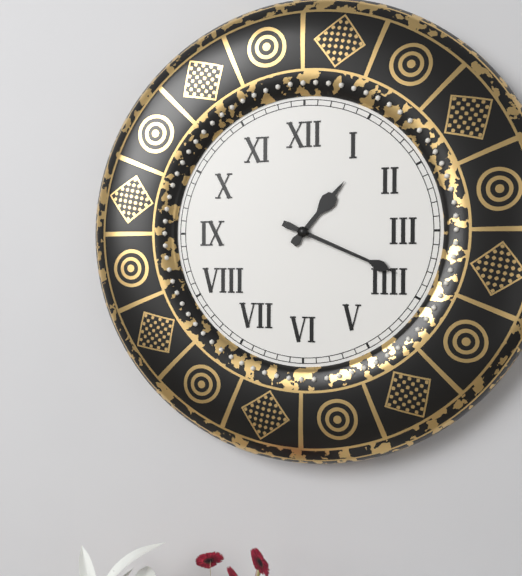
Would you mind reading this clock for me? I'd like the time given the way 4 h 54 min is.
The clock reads 1 h 19 min
